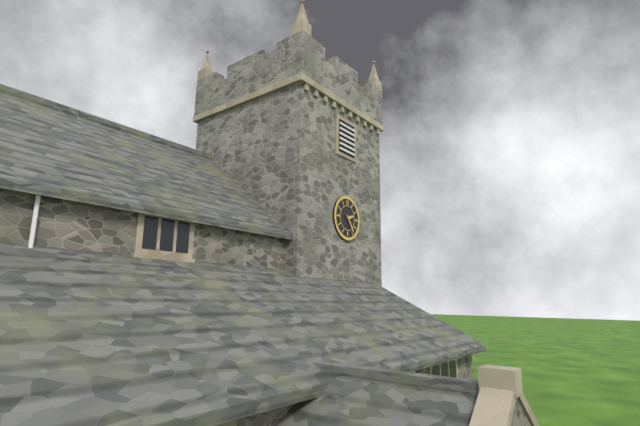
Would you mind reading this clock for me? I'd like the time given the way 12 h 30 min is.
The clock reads 2 h 24 min
